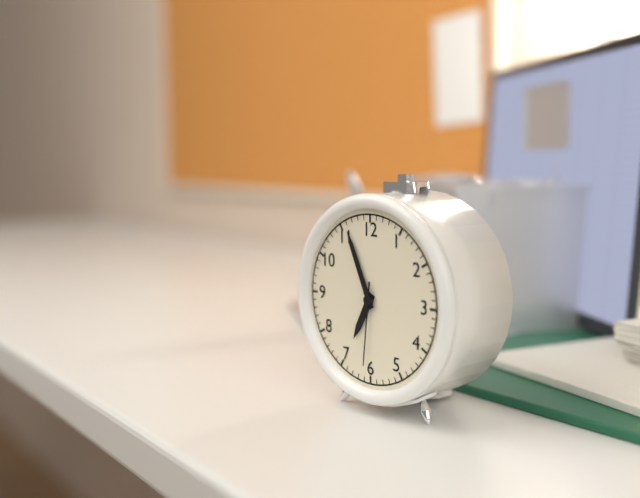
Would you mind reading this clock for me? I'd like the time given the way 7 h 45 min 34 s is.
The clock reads 6 h 56 min 31 s
